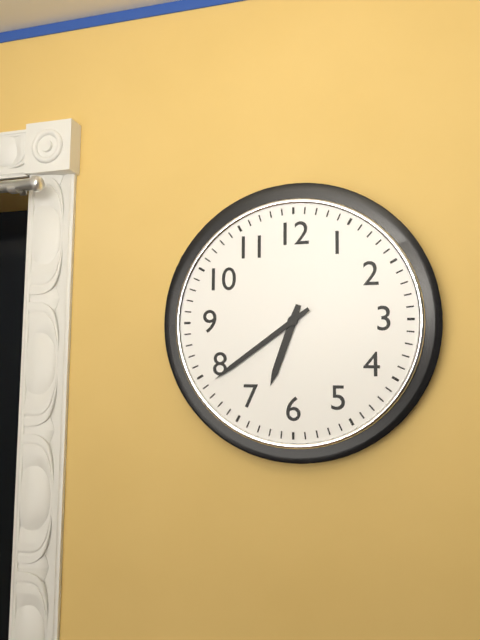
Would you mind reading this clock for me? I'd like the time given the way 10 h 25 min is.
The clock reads 6 h 39 min
